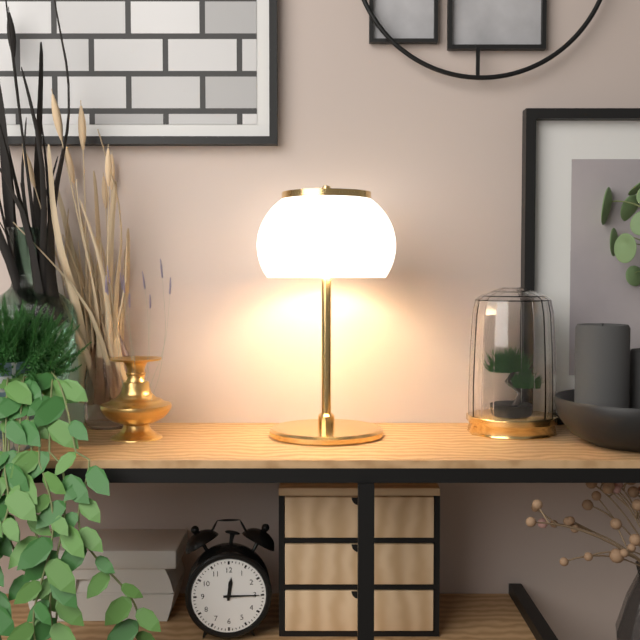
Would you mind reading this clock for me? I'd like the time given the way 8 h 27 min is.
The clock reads 12 h 15 min
